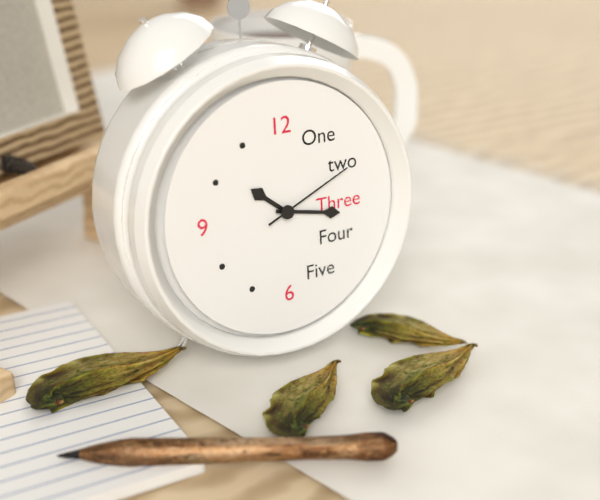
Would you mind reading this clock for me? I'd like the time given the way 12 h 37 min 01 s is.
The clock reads 10 h 17 min 11 s
